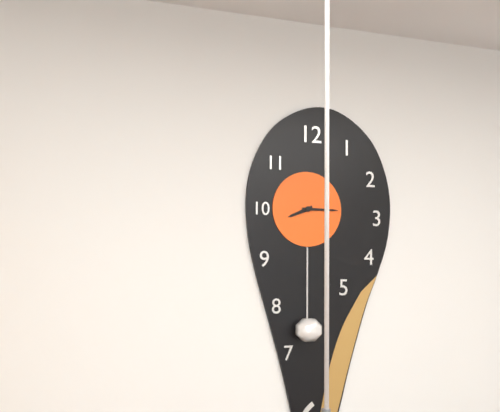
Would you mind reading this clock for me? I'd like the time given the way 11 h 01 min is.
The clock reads 8 h 15 min
